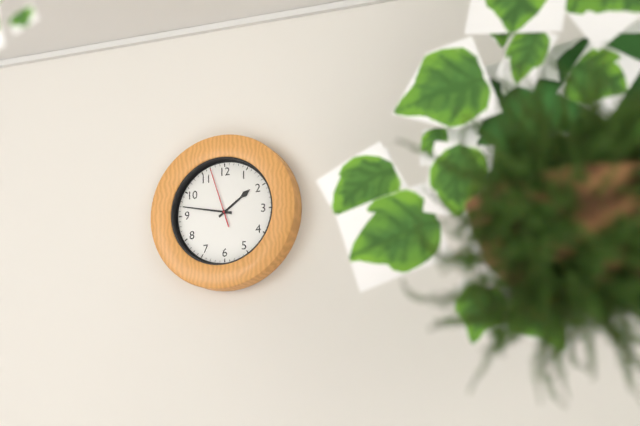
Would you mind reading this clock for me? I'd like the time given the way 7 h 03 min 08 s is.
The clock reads 1 h 47 min 57 s
